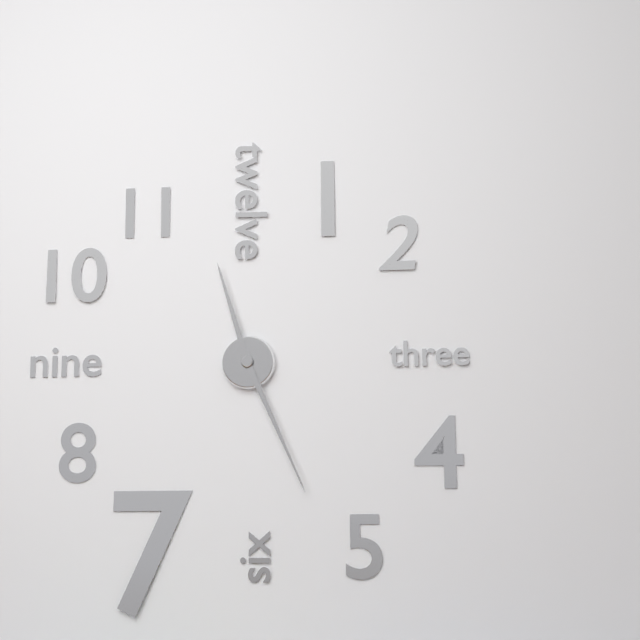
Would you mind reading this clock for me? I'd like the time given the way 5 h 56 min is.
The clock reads 11 h 26 min
